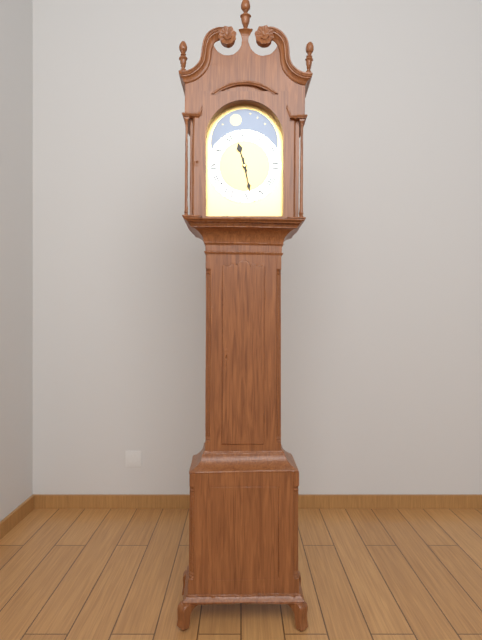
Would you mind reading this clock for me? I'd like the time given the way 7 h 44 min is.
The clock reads 11 h 28 min
